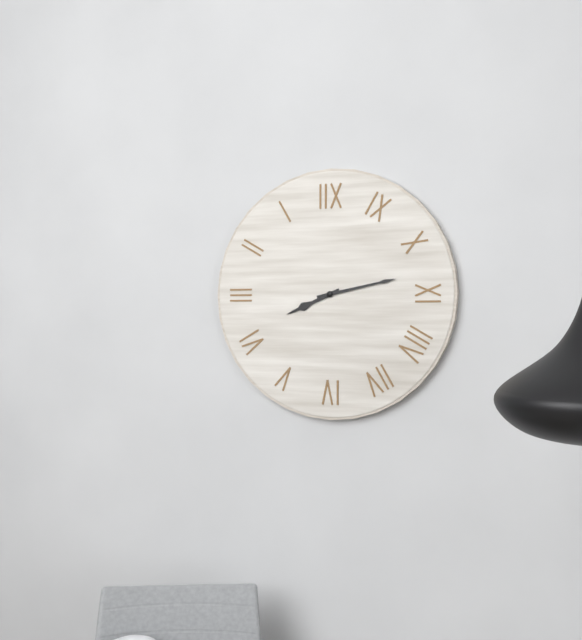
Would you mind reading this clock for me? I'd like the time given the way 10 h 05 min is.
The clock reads 8 h 13 min
